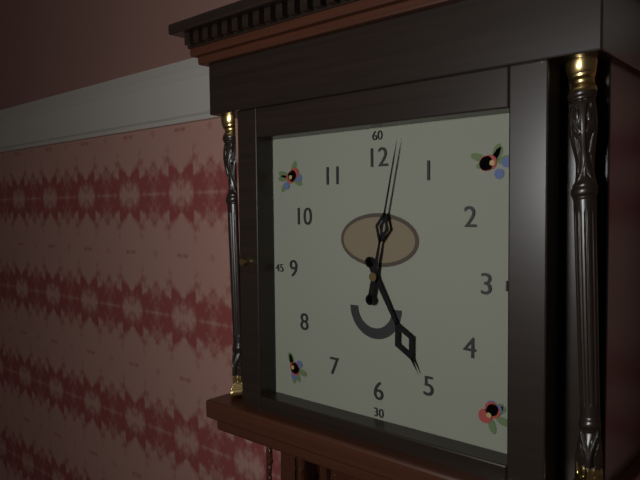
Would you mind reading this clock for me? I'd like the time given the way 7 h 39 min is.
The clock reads 5 h 02 min
